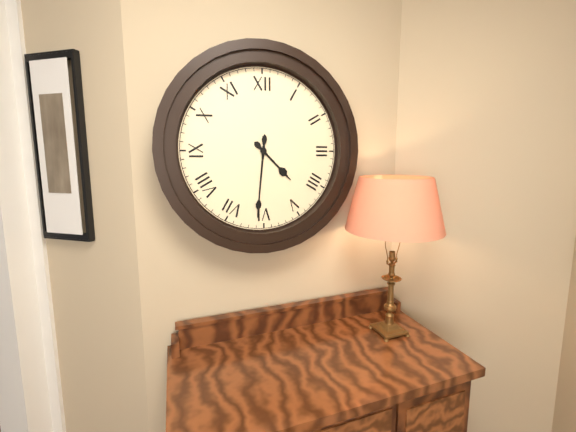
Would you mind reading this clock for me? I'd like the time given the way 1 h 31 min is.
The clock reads 4 h 31 min
